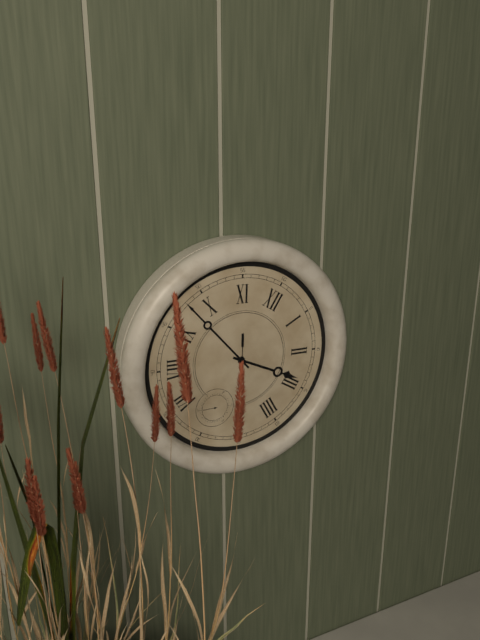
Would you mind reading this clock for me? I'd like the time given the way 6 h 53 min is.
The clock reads 2 h 48 min
